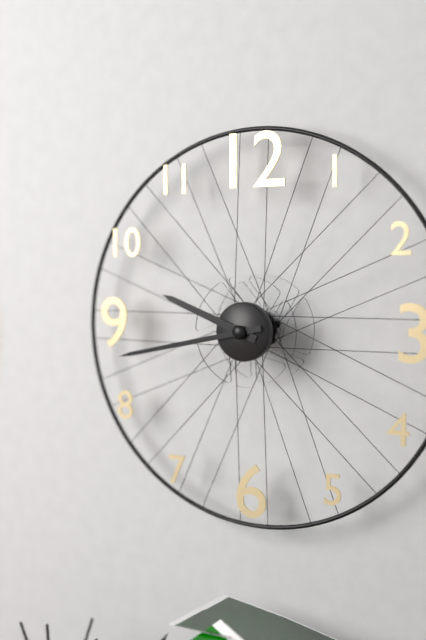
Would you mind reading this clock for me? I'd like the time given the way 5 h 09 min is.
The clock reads 9 h 43 min
